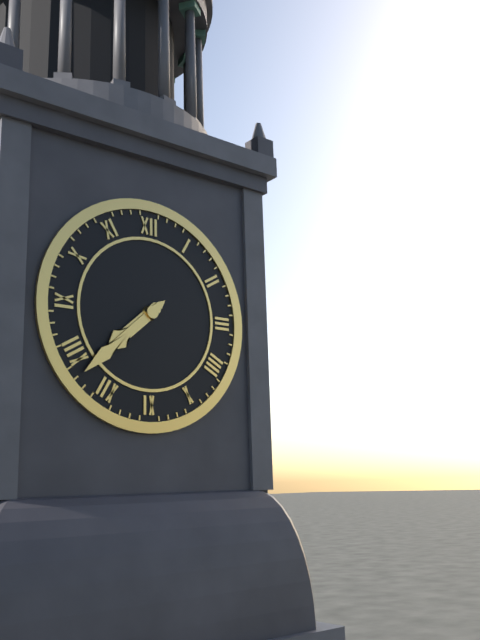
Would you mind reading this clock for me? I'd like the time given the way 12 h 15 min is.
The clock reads 7 h 38 min
